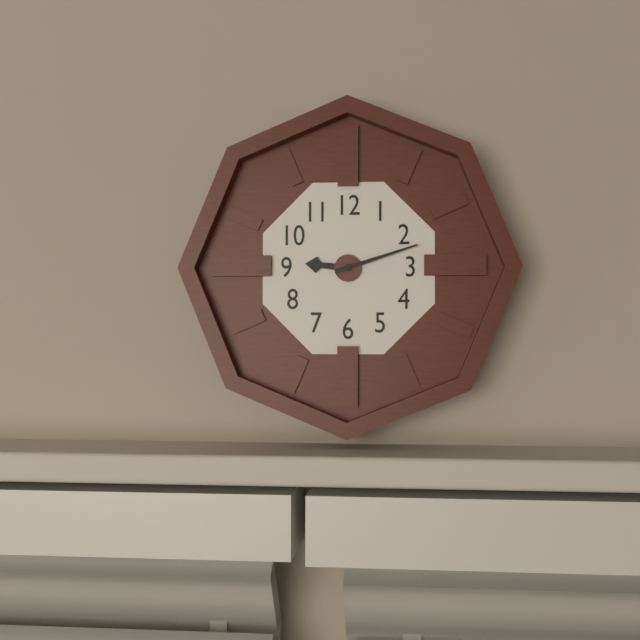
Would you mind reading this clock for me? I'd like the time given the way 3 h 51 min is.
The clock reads 9 h 12 min
